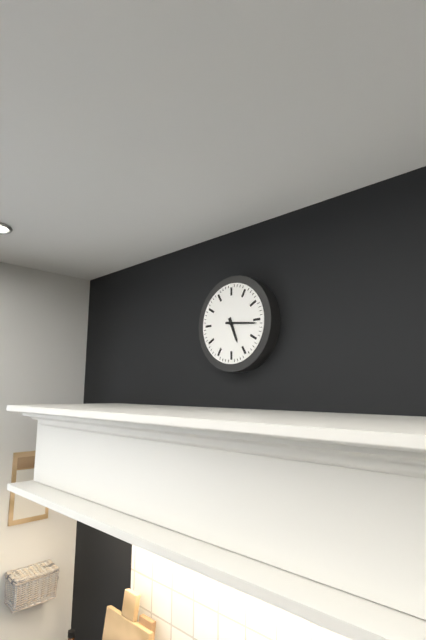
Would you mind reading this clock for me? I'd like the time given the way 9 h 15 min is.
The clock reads 5 h 16 min
